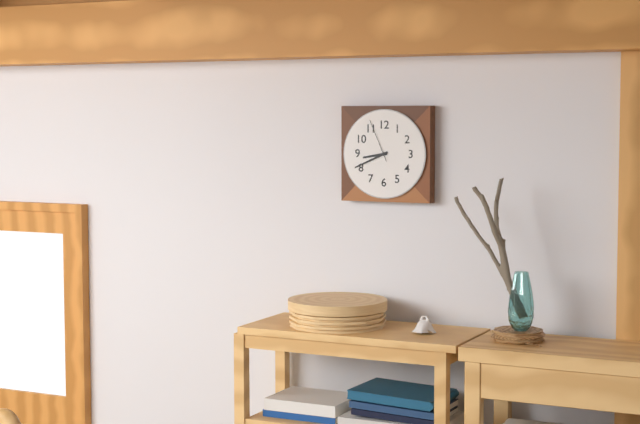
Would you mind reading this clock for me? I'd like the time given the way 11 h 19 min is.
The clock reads 8 h 41 min
